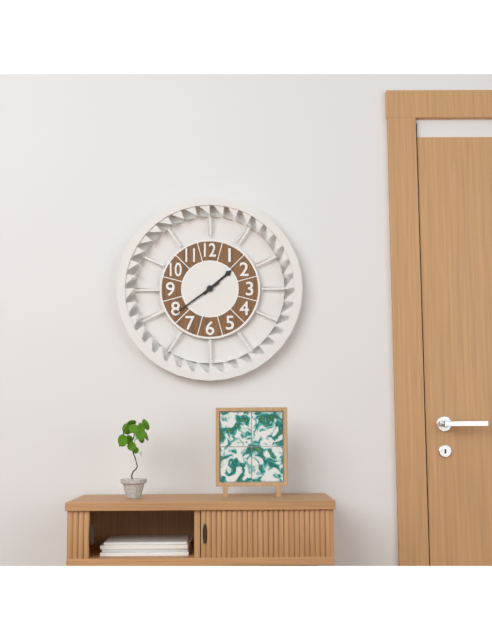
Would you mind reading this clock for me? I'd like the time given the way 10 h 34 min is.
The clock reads 1 h 39 min
